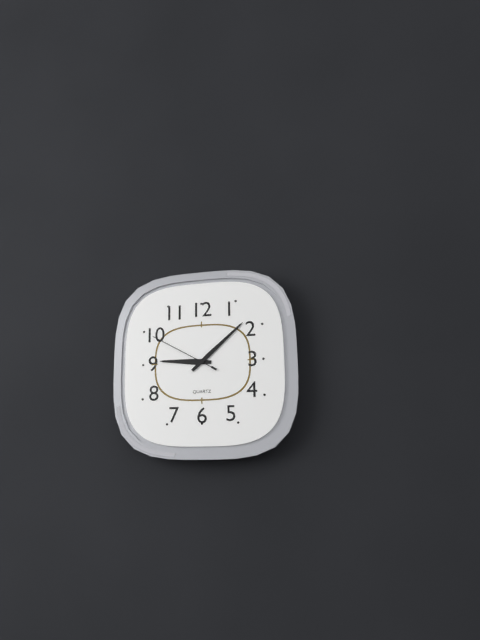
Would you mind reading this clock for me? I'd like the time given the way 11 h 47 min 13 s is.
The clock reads 9 h 08 min 50 s
